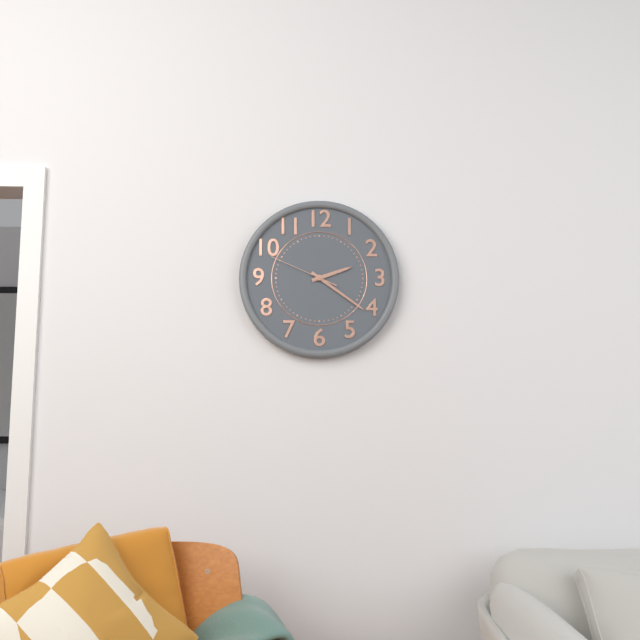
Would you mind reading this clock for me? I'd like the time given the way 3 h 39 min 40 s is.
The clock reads 2 h 21 min 49 s
